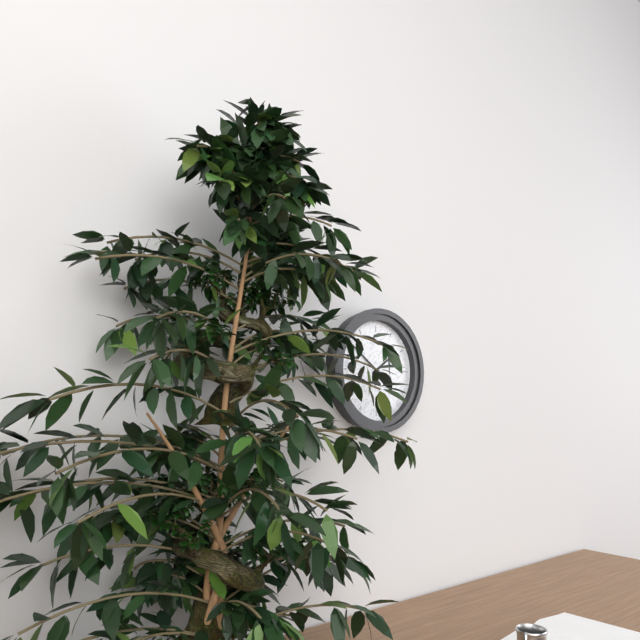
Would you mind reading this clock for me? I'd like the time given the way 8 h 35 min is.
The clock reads 1 h 51 min
